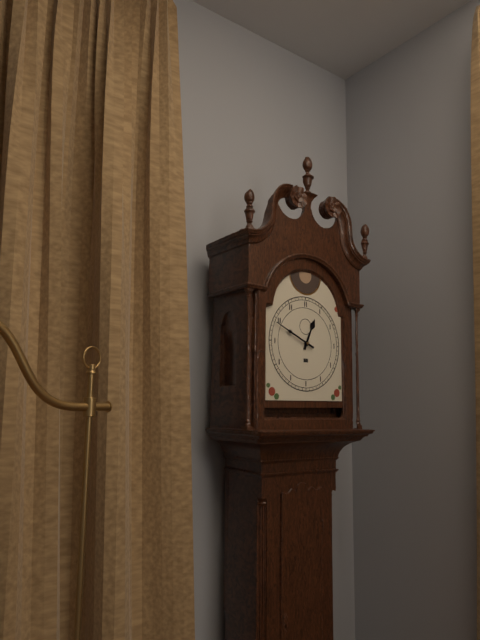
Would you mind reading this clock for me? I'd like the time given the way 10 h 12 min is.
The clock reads 12 h 49 min
